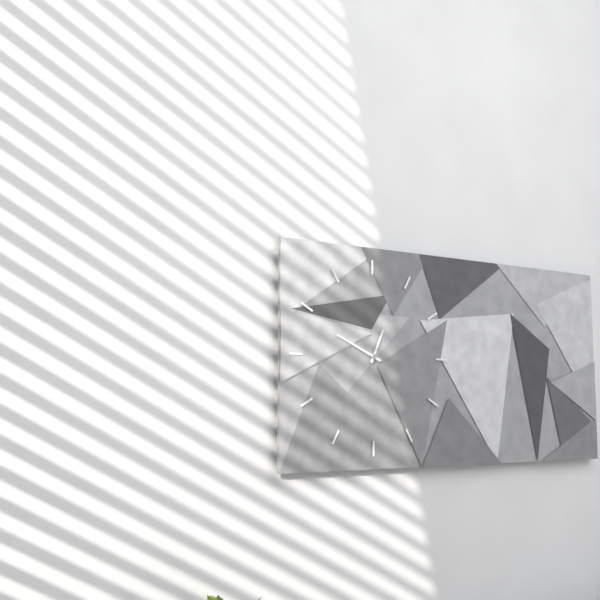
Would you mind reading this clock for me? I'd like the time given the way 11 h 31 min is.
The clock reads 12 h 49 min
